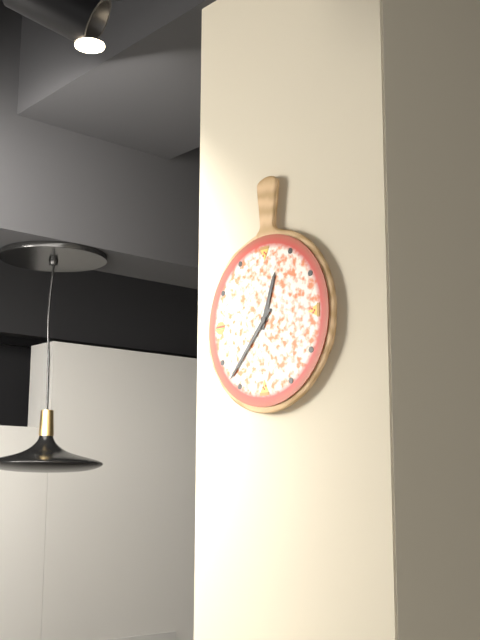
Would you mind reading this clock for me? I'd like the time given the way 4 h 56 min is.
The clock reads 12 h 37 min
